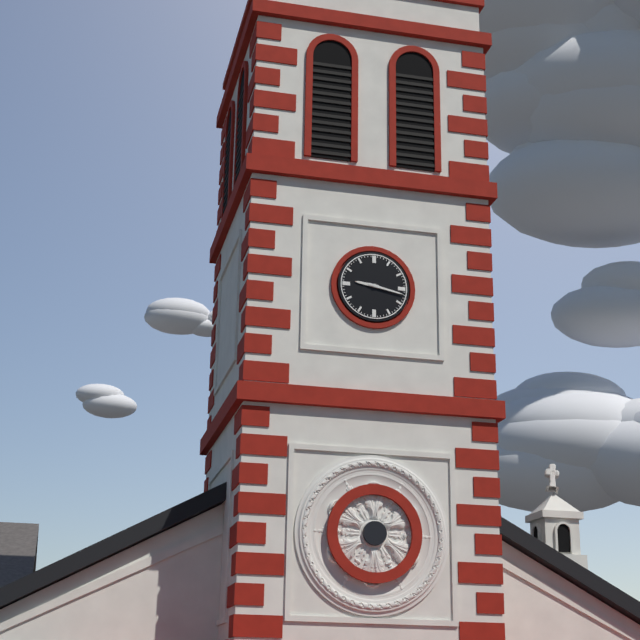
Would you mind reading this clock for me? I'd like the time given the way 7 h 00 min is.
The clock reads 9 h 17 min
